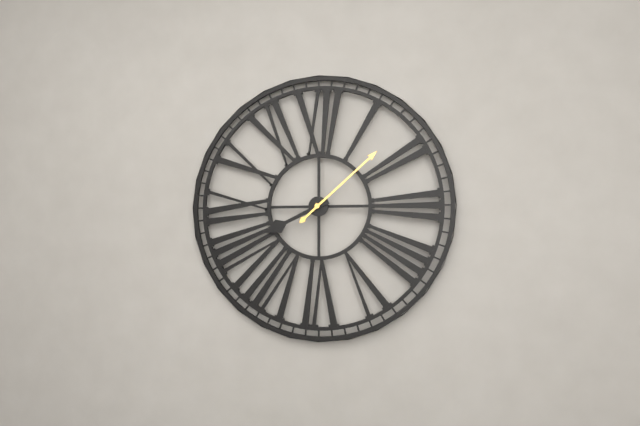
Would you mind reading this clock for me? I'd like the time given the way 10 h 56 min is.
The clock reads 8 h 08 min
